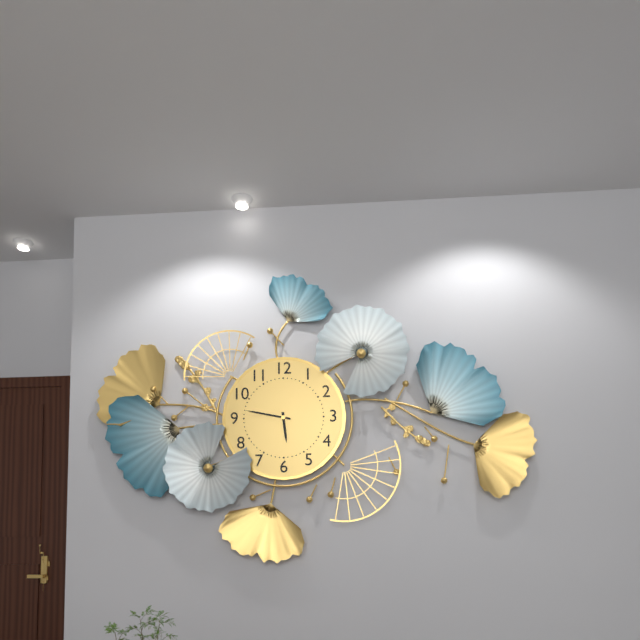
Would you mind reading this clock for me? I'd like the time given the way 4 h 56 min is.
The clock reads 5 h 47 min
